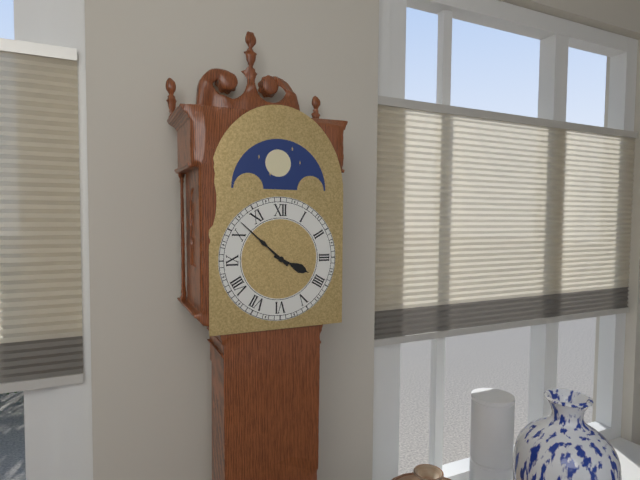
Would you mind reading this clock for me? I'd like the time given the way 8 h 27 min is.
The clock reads 3 h 52 min
